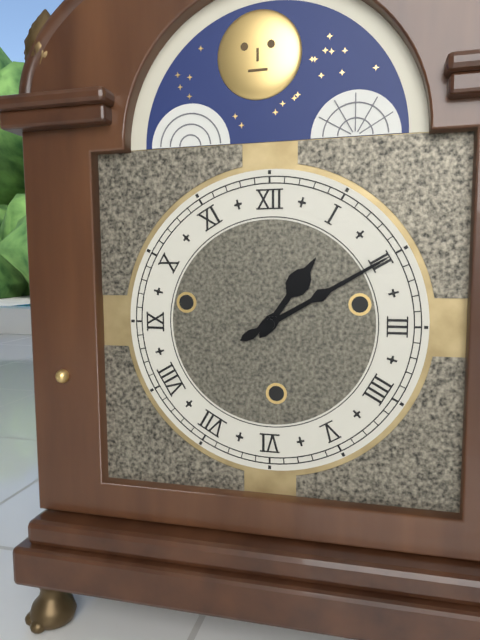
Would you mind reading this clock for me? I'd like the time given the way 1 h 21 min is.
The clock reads 1 h 10 min
